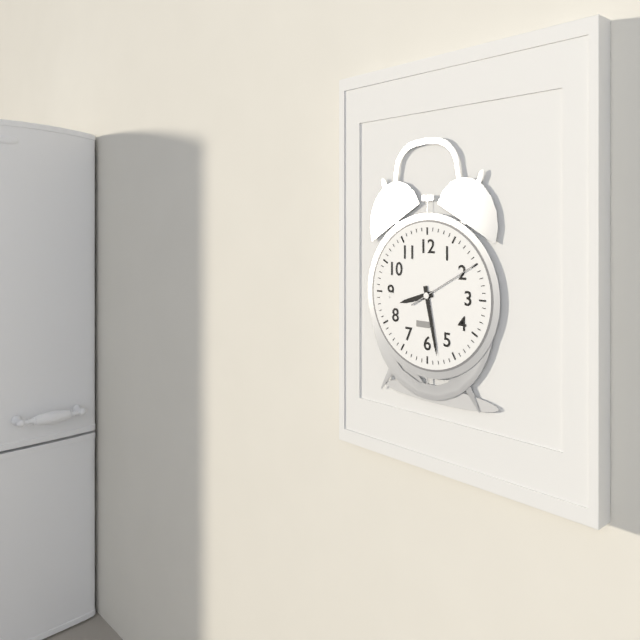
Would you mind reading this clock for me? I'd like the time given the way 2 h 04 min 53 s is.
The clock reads 8 h 28 min 10 s
